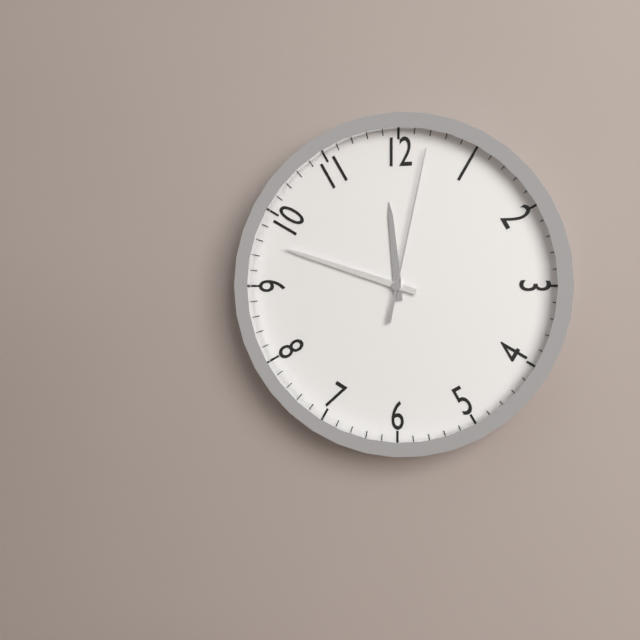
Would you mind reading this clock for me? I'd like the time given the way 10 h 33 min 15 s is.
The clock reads 11 h 48 min 02 s
